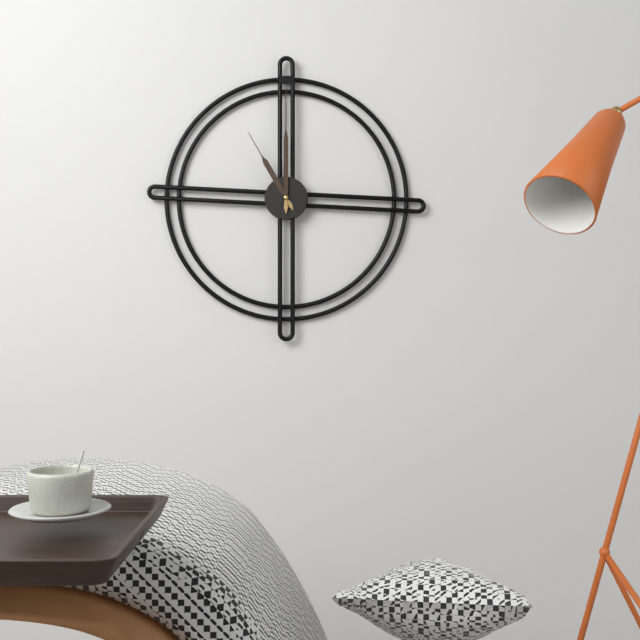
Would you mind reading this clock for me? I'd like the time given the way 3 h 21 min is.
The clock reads 11 h 00 min
